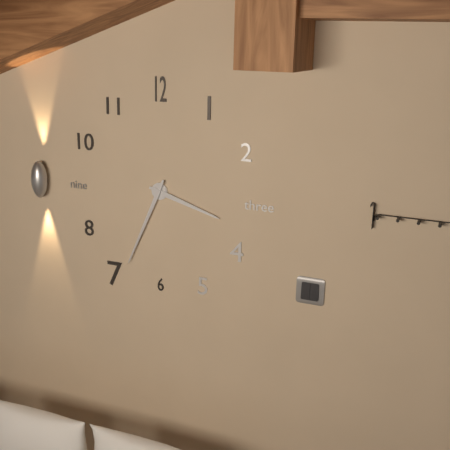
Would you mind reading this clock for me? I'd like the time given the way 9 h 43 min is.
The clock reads 3 h 34 min
